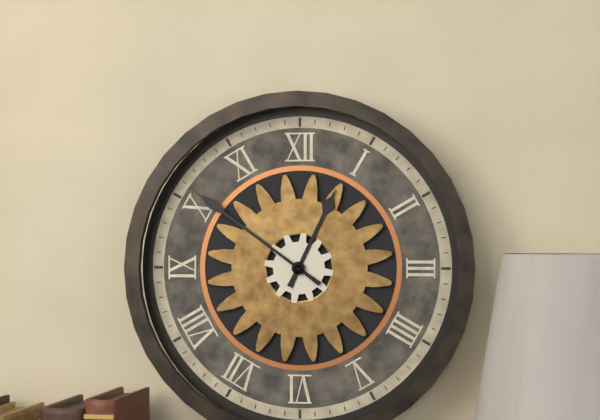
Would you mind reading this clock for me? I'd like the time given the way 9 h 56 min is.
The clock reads 12 h 51 min
